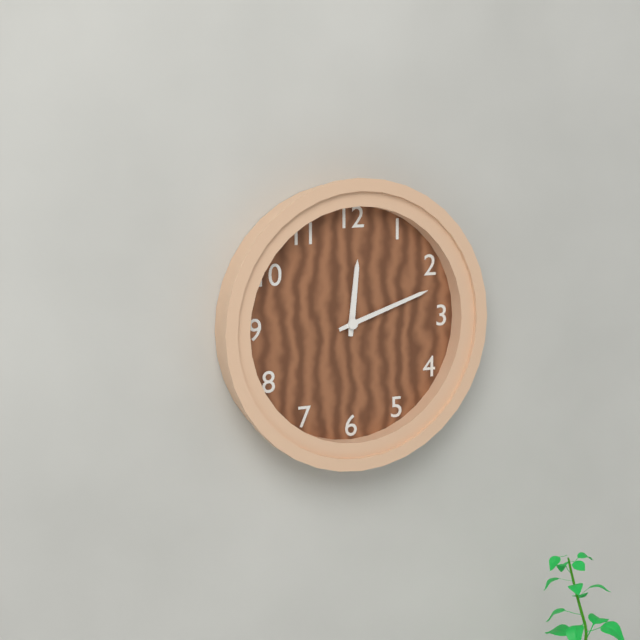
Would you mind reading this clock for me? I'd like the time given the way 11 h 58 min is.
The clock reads 12 h 12 min
